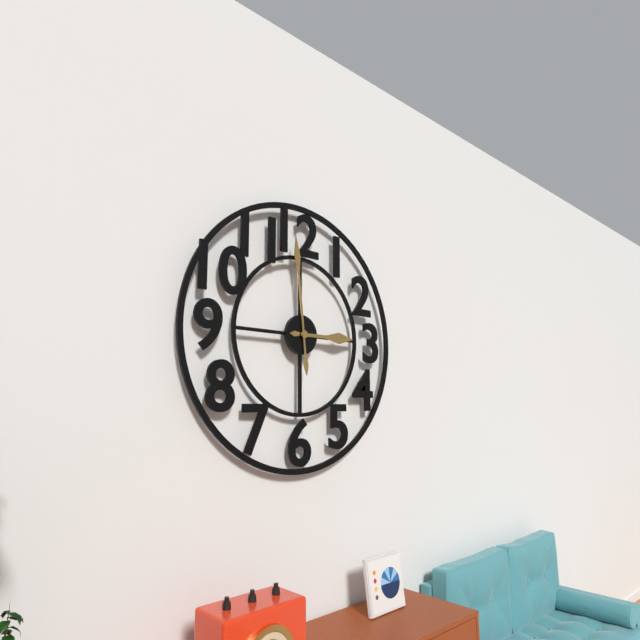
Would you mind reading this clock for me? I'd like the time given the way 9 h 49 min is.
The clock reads 2 h 59 min
